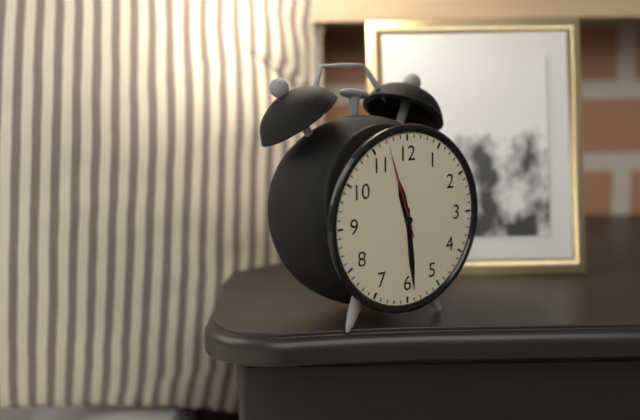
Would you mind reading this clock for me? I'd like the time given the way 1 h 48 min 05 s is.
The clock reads 11 h 29 min 57 s
